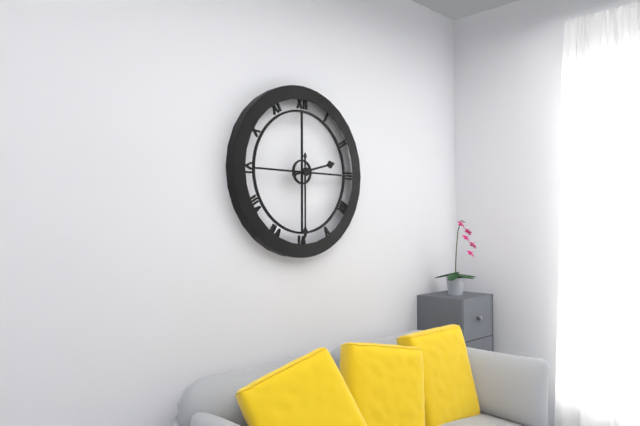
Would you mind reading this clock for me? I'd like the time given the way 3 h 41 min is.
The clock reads 2 h 30 min
